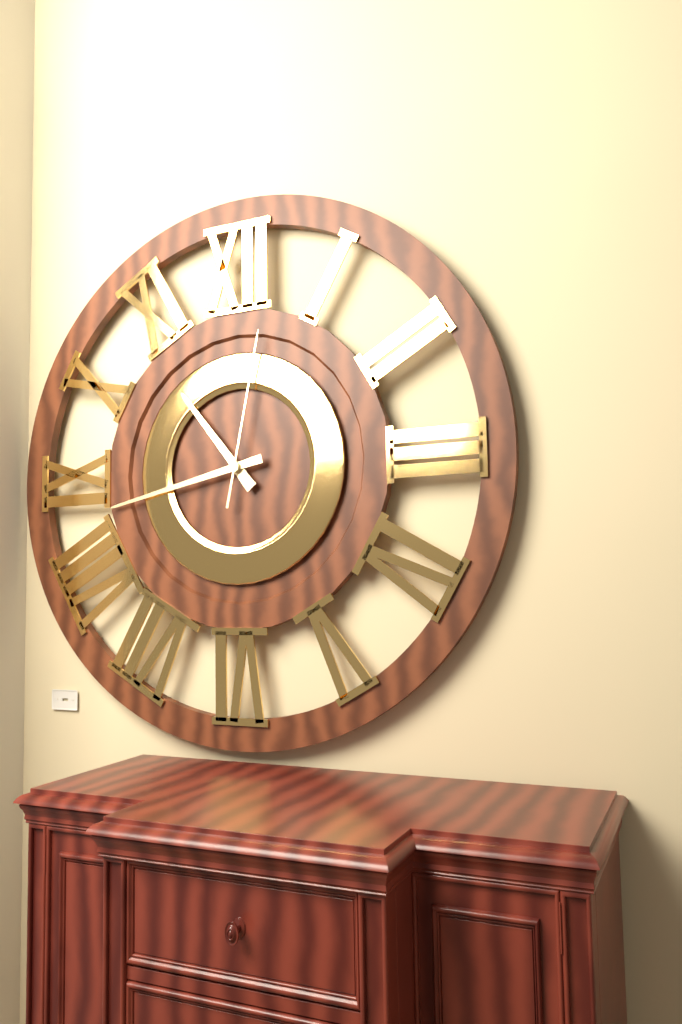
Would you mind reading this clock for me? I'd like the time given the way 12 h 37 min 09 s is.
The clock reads 10 h 43 min 02 s
